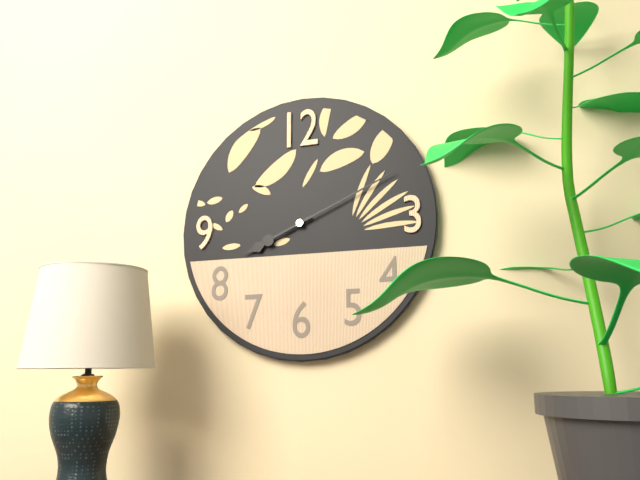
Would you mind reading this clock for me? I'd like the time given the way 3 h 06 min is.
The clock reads 8 h 11 min
